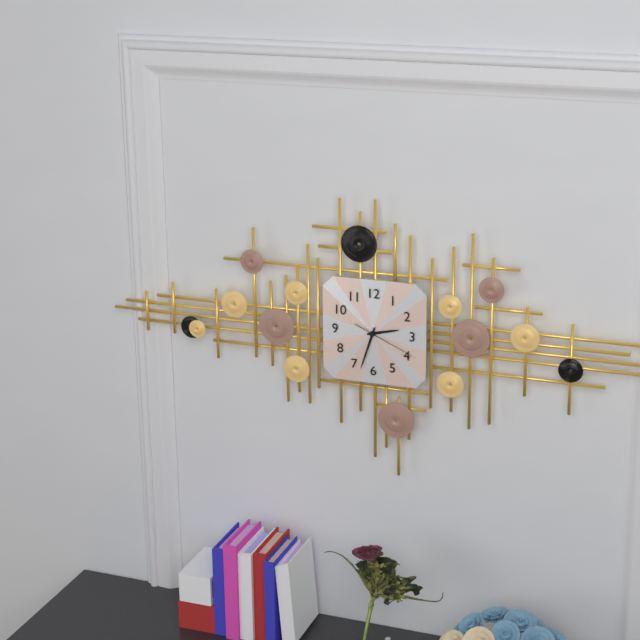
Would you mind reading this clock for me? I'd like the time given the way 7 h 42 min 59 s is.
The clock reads 2 h 33 min 19 s
